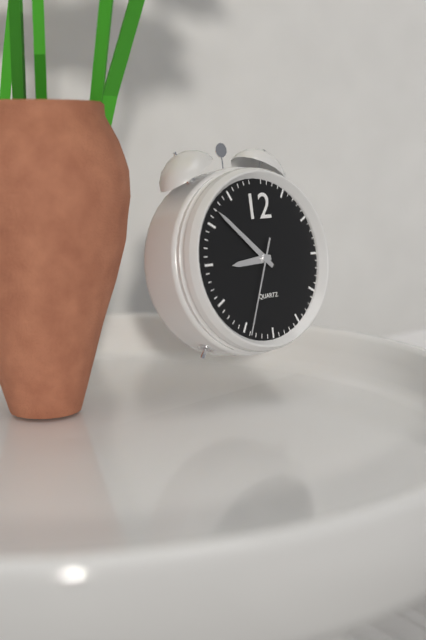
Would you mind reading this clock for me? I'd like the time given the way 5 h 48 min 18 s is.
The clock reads 8 h 52 min 34 s
